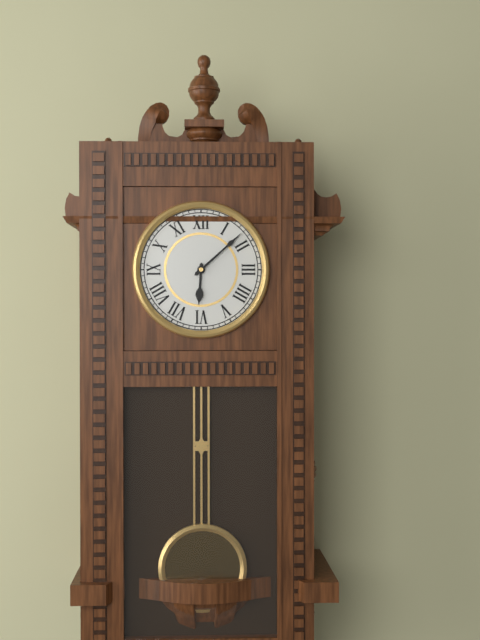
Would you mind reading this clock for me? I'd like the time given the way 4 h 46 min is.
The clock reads 6 h 08 min
